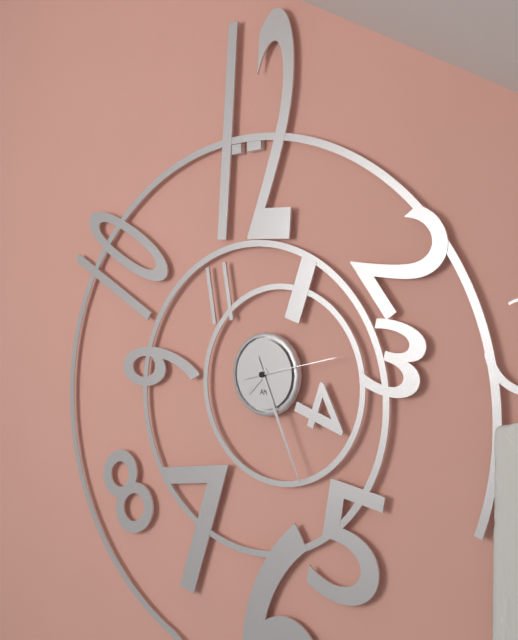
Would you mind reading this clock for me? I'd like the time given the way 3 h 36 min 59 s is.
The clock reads 7 h 26 min 13 s
